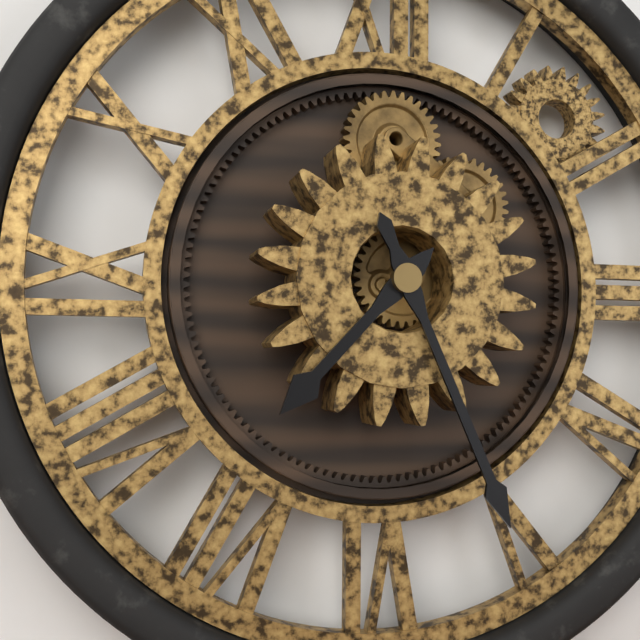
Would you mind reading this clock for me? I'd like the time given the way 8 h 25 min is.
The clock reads 7 h 26 min
